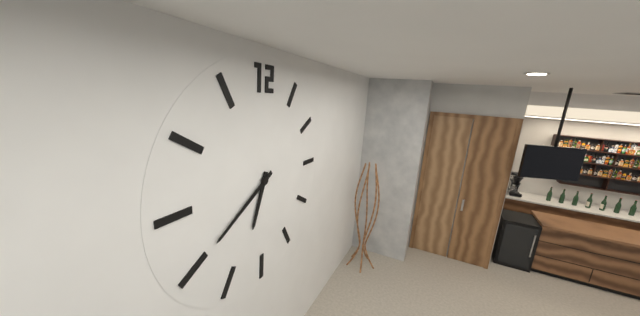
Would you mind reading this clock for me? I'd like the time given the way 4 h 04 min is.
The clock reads 6 h 40 min
